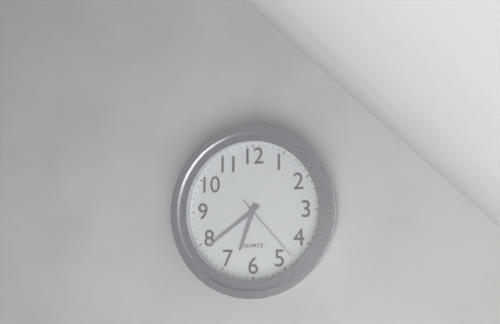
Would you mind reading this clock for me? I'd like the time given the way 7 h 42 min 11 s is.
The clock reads 6 h 39 min 23 s
